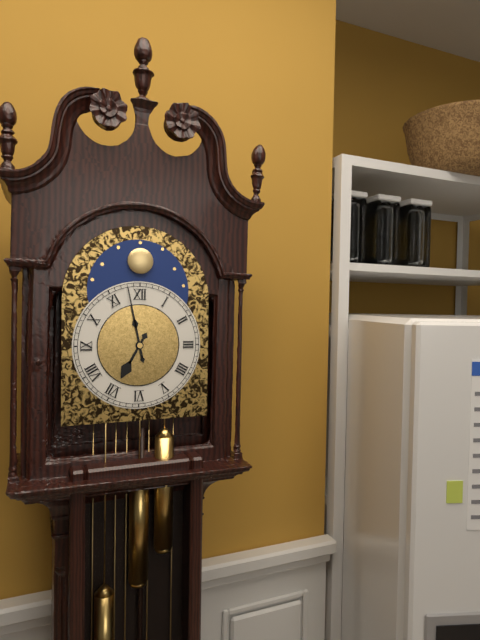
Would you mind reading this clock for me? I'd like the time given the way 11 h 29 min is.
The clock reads 6 h 58 min
